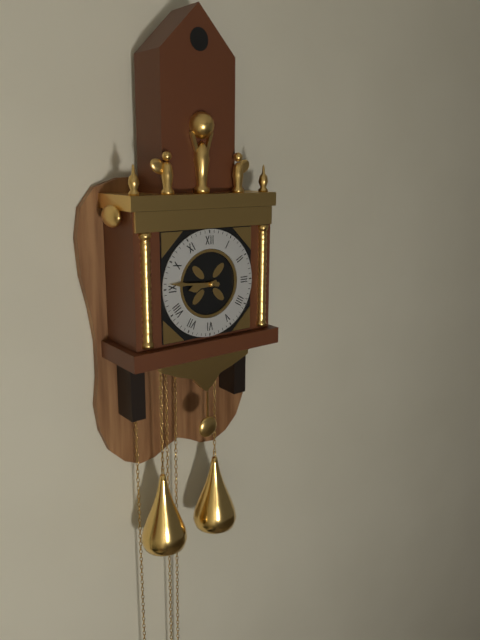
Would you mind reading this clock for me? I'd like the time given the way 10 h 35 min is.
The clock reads 8 h 46 min
